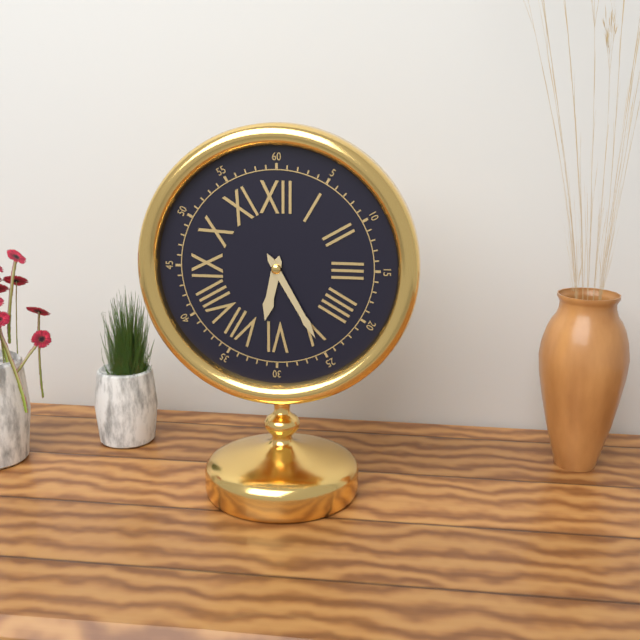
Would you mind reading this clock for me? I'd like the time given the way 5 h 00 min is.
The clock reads 6 h 25 min
